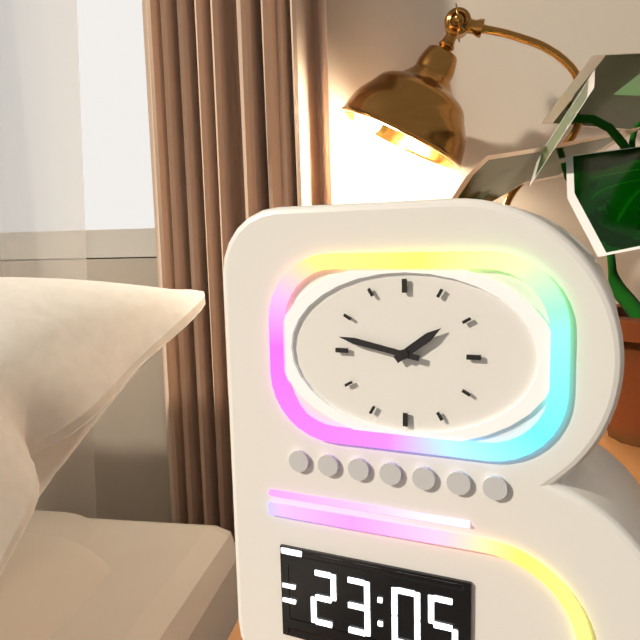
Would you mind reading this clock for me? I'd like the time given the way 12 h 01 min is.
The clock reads 1 h 47 min
